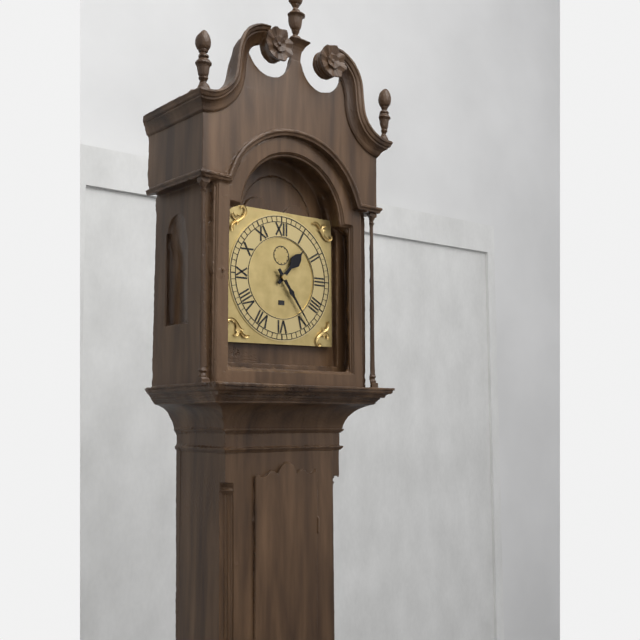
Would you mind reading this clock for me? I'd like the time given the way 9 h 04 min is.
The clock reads 1 h 24 min
